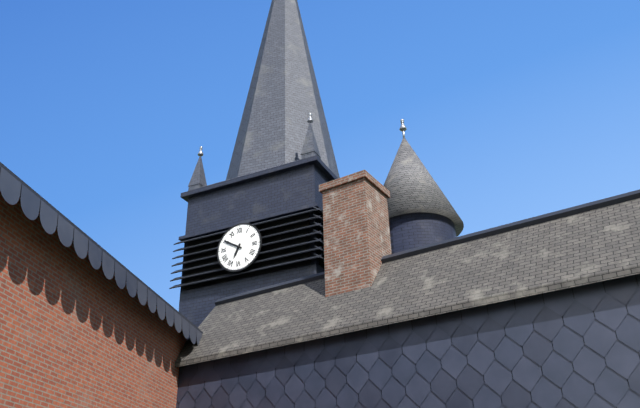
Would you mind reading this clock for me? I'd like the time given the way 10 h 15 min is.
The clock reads 6 h 50 min
